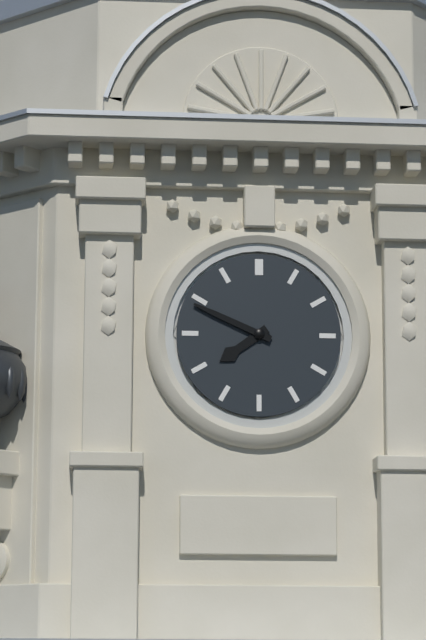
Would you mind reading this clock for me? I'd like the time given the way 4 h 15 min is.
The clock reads 7 h 49 min
